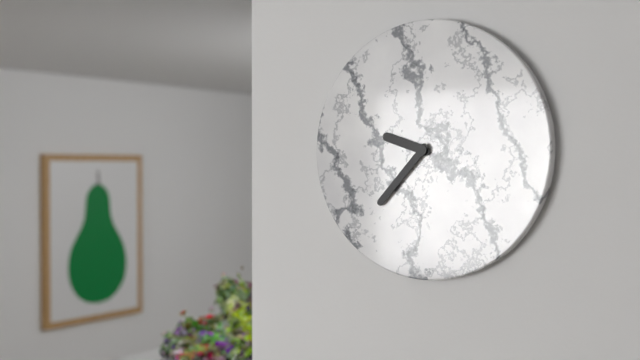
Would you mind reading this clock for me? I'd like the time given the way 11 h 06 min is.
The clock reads 9 h 37 min
